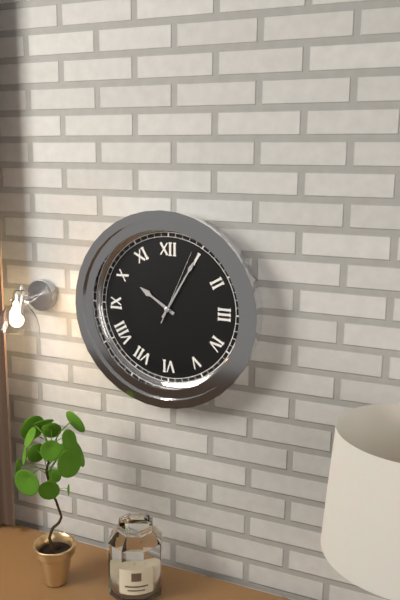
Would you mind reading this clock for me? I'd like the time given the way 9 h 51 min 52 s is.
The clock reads 10 h 05 min 04 s
